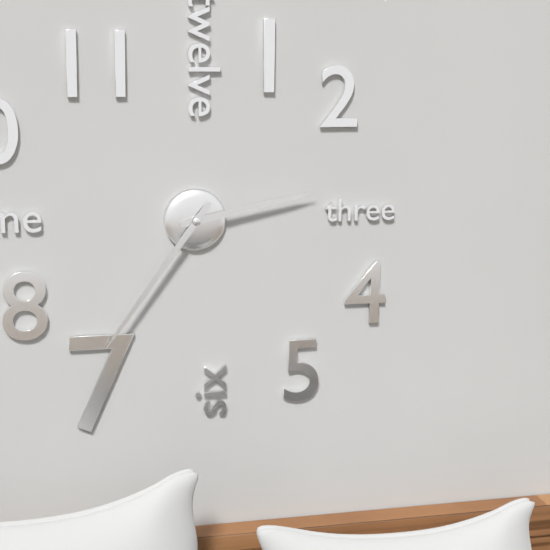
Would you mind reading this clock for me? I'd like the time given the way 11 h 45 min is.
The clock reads 2 h 36 min
